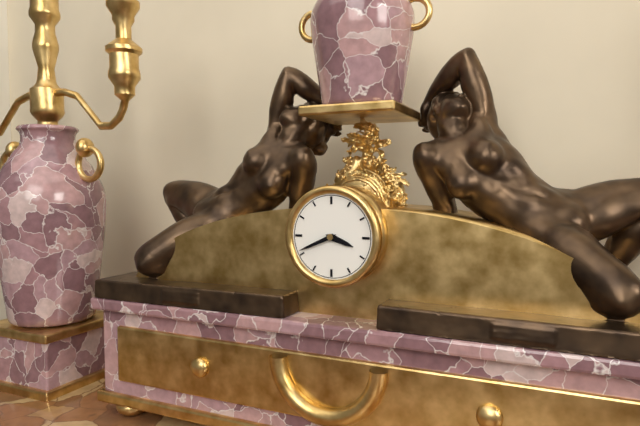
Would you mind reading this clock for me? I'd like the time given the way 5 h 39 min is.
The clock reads 3 h 41 min
